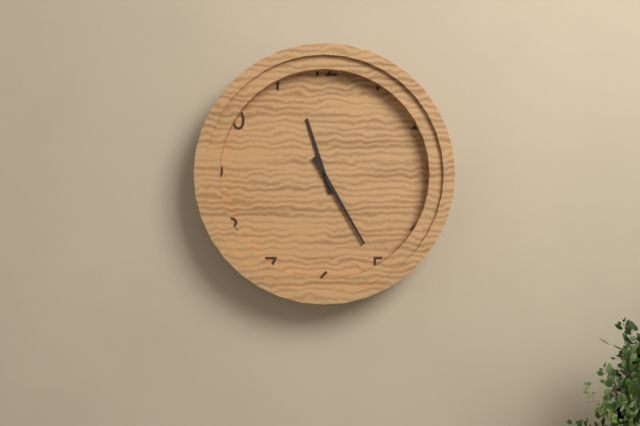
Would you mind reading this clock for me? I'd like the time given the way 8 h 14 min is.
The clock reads 11 h 25 min
